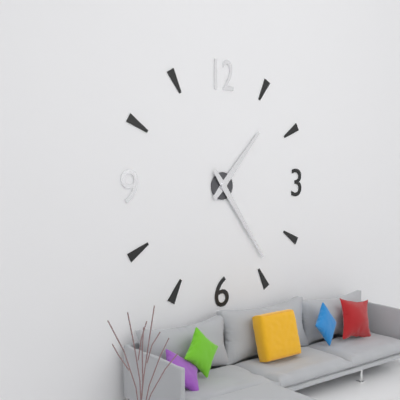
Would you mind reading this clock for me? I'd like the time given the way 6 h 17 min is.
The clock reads 1 h 24 min
